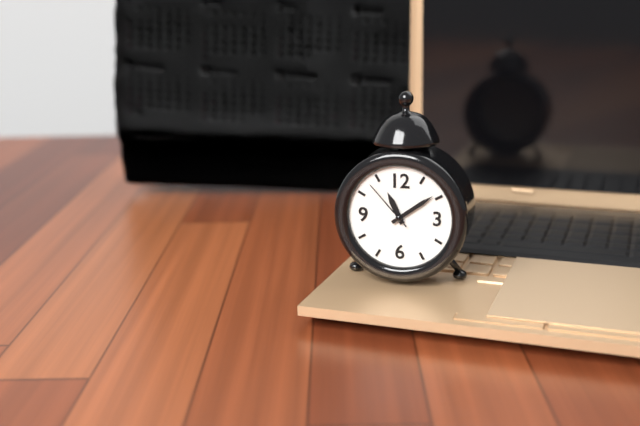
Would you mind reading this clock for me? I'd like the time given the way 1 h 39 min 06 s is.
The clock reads 11 h 09 min 53 s
